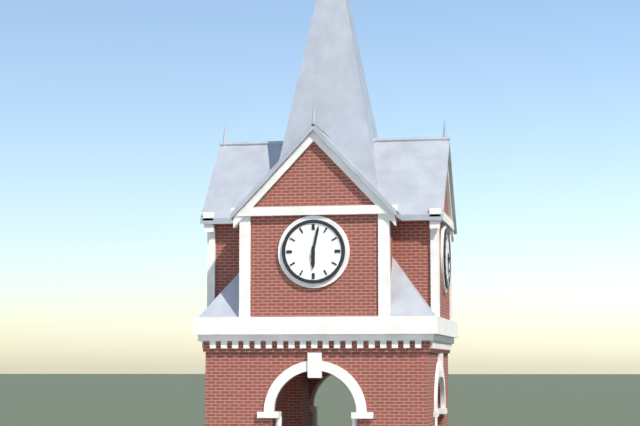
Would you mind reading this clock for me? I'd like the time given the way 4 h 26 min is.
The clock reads 6 h 02 min
